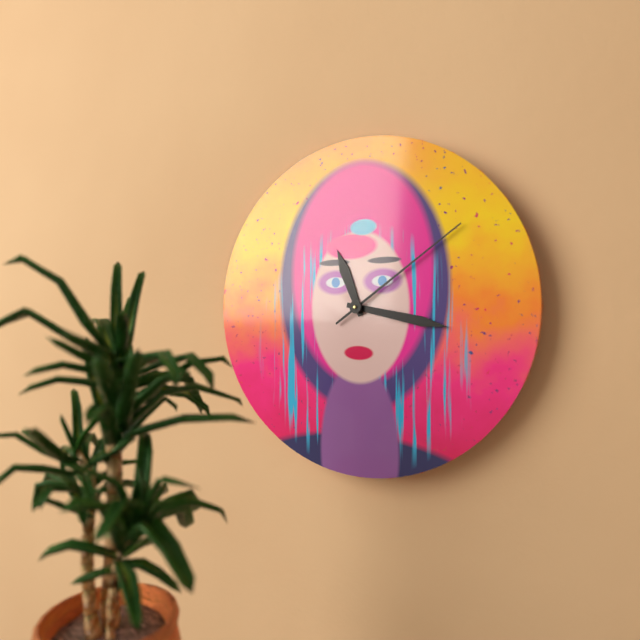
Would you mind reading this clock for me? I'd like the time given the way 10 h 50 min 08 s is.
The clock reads 11 h 17 min 09 s
